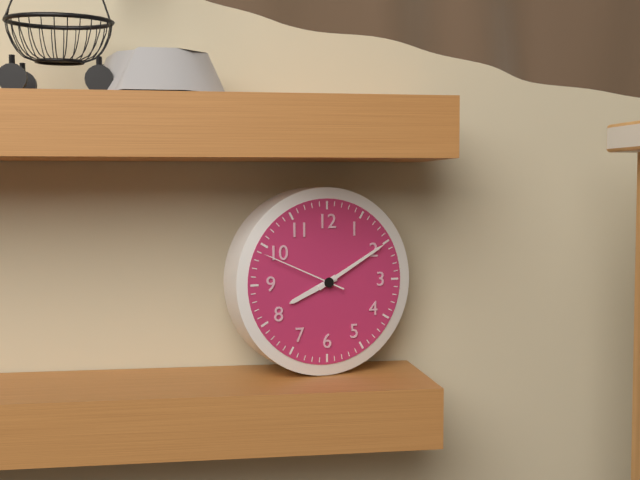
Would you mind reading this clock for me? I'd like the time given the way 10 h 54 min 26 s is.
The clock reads 8 h 10 min 49 s
